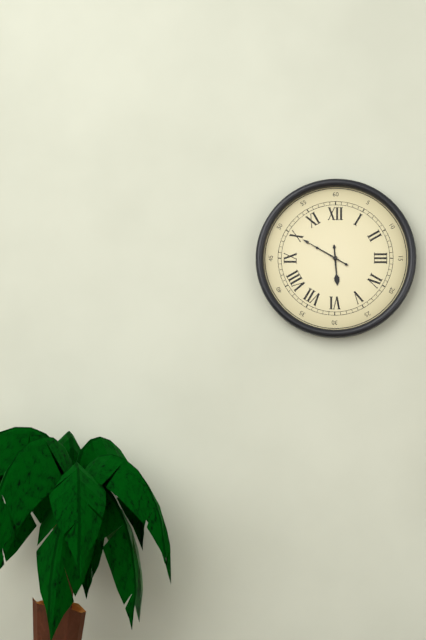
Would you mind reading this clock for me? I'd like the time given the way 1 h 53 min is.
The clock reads 5 h 50 min
